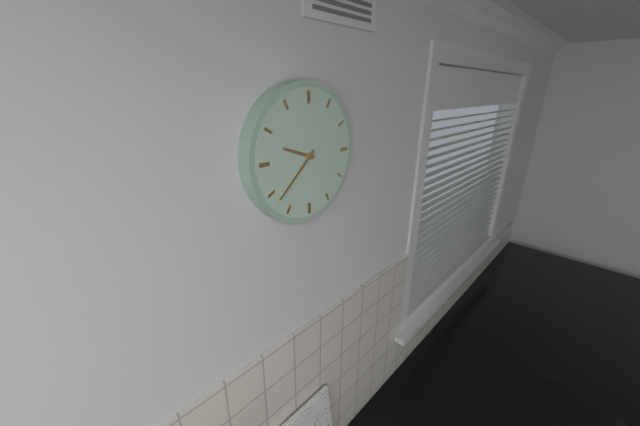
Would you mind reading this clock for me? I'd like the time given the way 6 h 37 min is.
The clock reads 9 h 38 min
